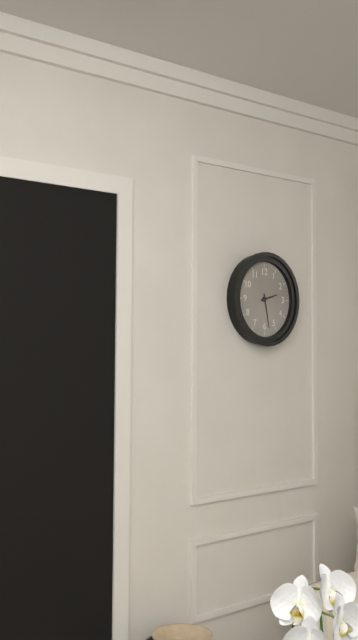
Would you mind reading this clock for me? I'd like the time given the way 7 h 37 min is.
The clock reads 2 h 28 min
